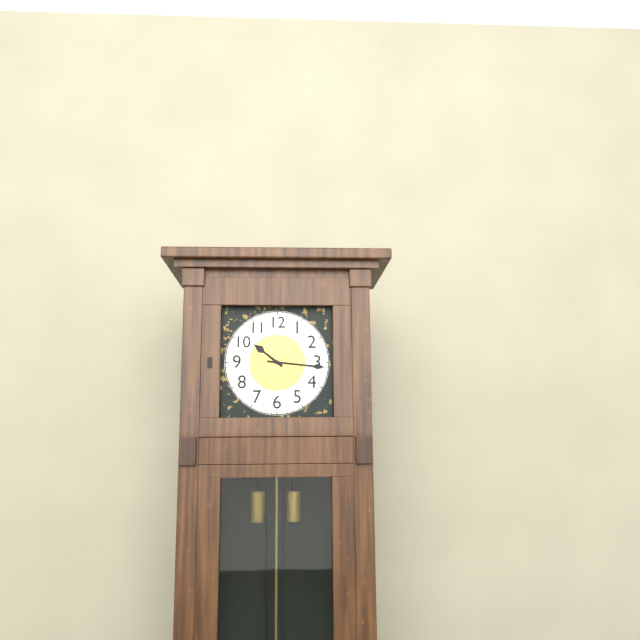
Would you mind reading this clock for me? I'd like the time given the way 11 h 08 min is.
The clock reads 10 h 16 min
